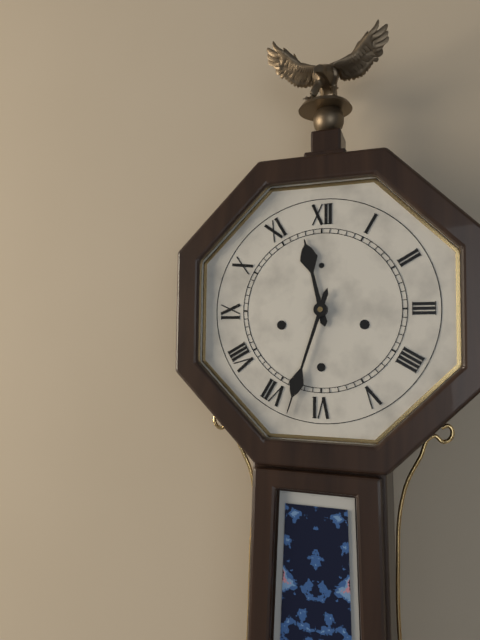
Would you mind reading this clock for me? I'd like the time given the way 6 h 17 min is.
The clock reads 11 h 33 min
